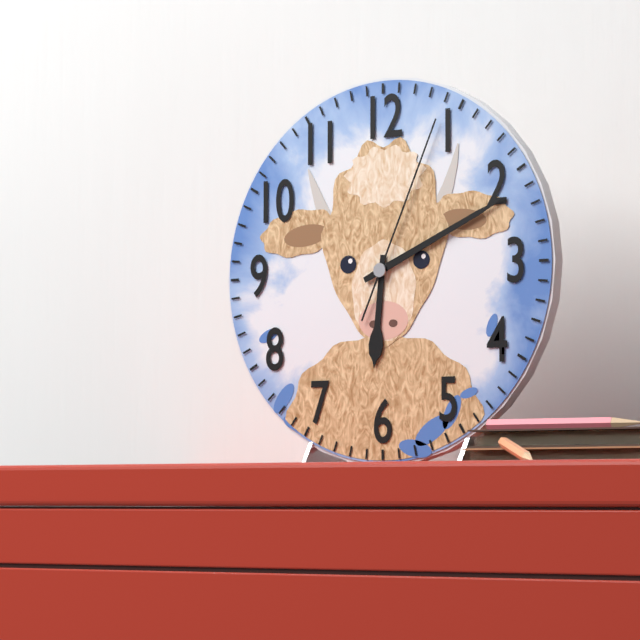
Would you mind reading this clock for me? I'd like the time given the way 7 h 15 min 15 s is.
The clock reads 6 h 11 min 04 s
